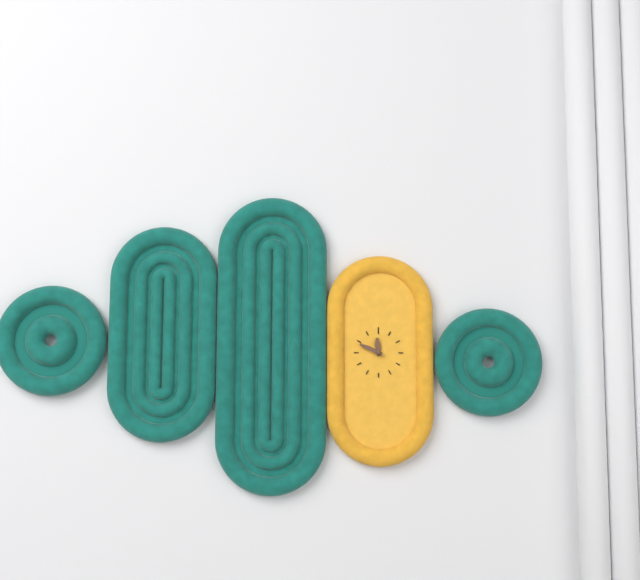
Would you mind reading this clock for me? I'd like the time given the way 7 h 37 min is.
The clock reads 11 h 49 min
